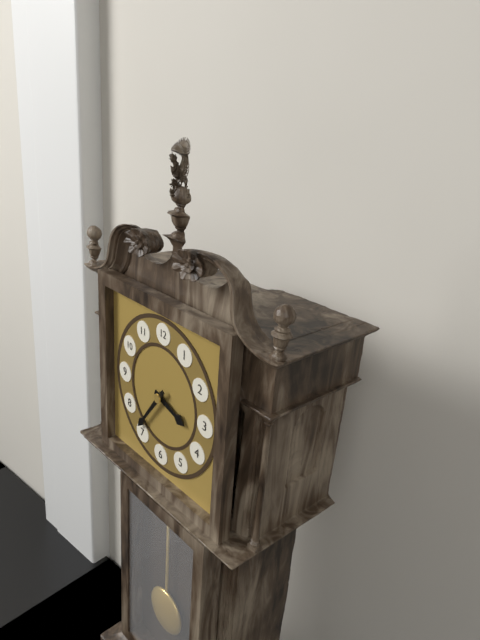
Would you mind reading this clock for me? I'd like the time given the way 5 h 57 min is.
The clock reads 3 h 36 min
